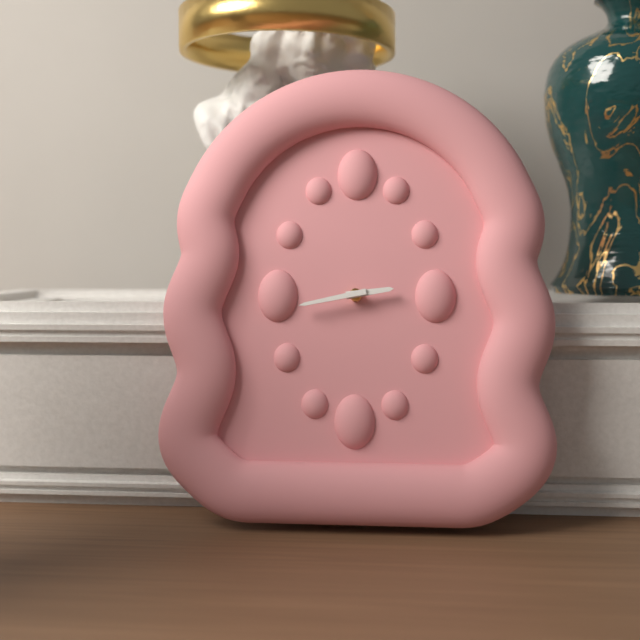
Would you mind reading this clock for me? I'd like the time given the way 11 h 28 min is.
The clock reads 2 h 43 min
